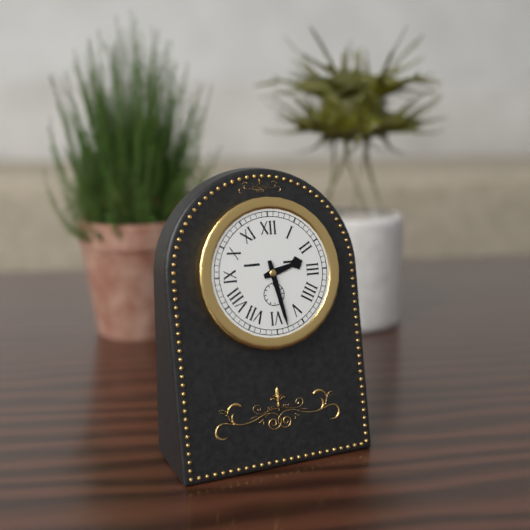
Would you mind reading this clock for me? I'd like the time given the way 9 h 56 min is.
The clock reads 2 h 28 min
